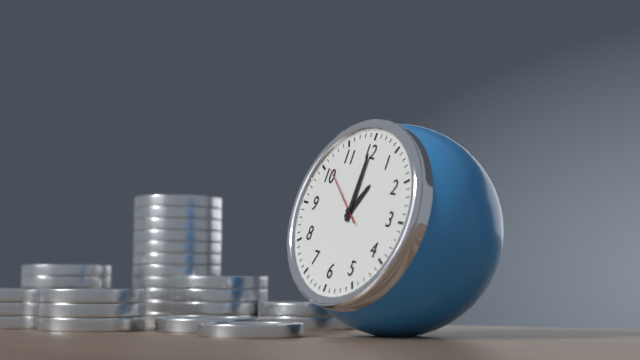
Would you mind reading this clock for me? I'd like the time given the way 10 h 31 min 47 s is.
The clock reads 1 h 00 min 51 s
